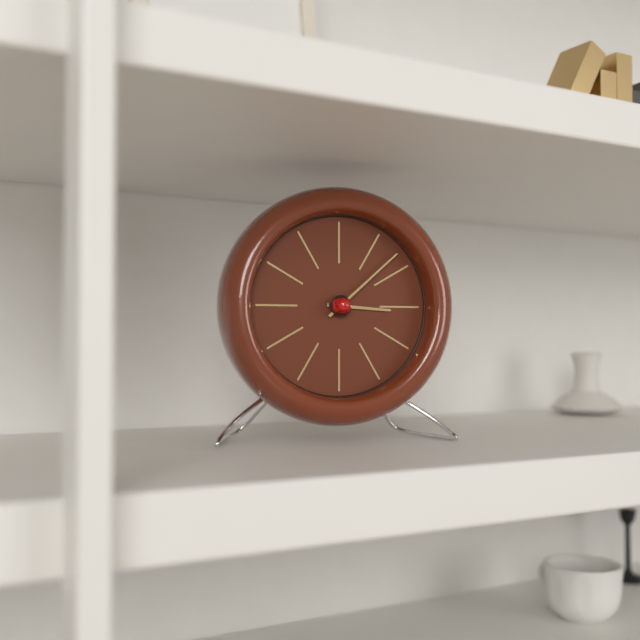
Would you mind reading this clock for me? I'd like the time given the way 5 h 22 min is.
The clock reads 3 h 08 min
